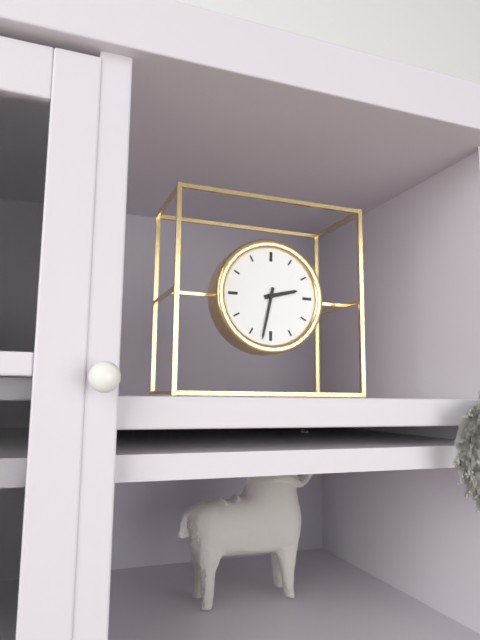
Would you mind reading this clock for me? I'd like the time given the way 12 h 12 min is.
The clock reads 2 h 32 min
